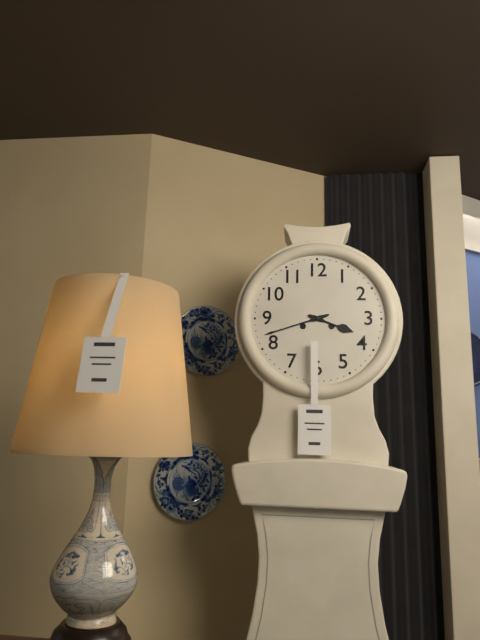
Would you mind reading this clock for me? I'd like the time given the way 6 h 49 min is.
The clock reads 3 h 42 min
